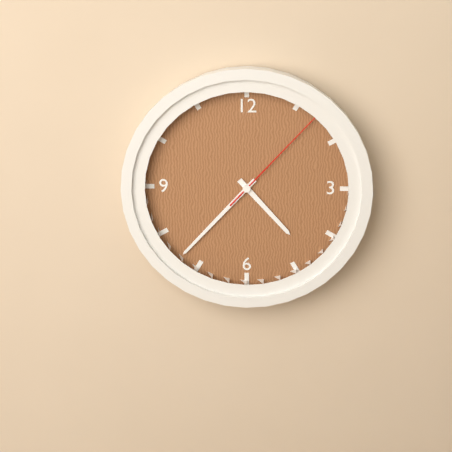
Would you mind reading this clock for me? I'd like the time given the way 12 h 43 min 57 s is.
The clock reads 4 h 37 min 07 s
